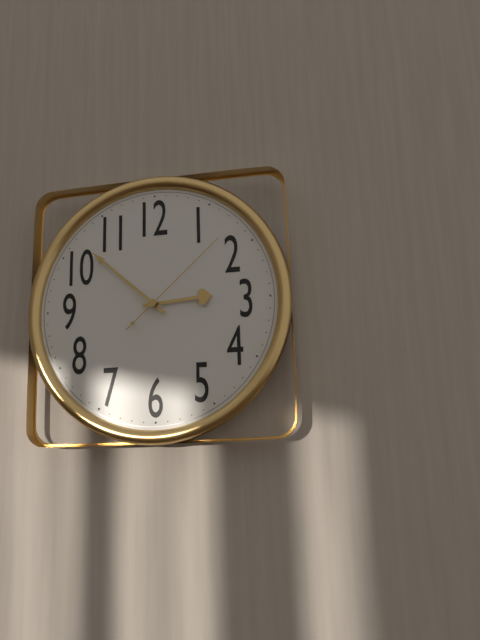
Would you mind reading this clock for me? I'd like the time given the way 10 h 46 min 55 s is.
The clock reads 2 h 52 min 08 s
